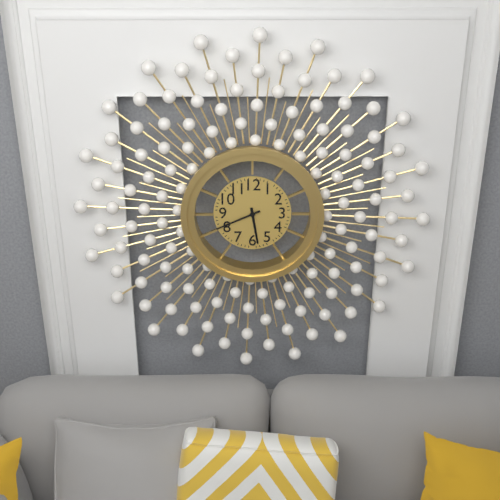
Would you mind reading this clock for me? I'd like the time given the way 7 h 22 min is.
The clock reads 5 h 41 min
